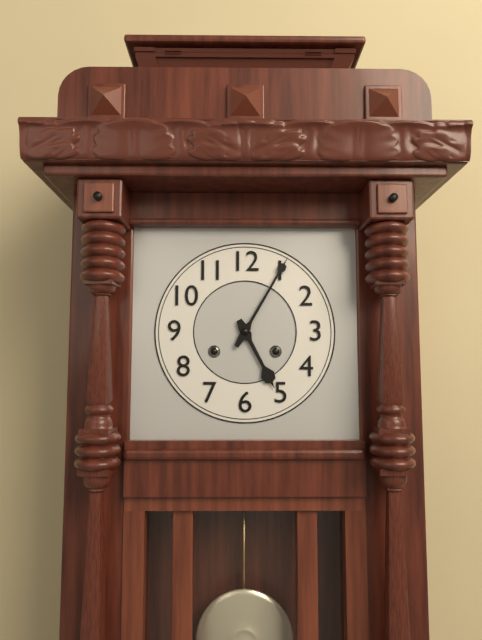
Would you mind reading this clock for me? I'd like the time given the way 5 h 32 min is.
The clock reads 5 h 05 min
